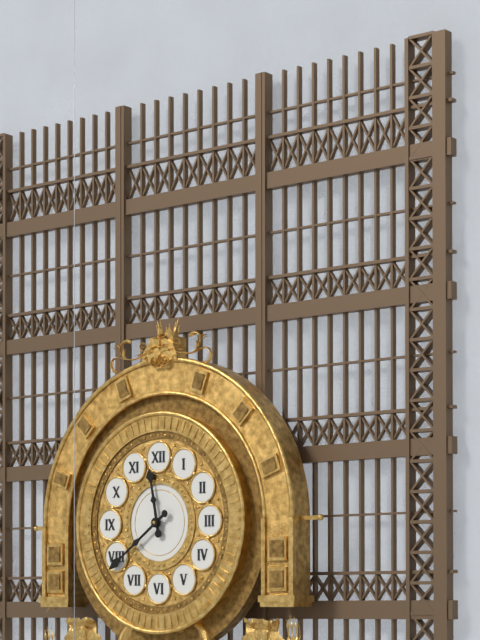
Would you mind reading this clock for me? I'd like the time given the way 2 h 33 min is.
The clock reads 11 h 39 min
